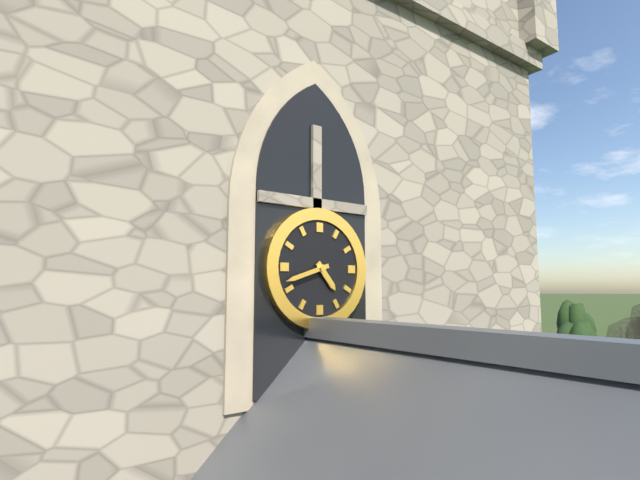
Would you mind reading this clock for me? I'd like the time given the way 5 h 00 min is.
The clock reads 4 h 42 min
